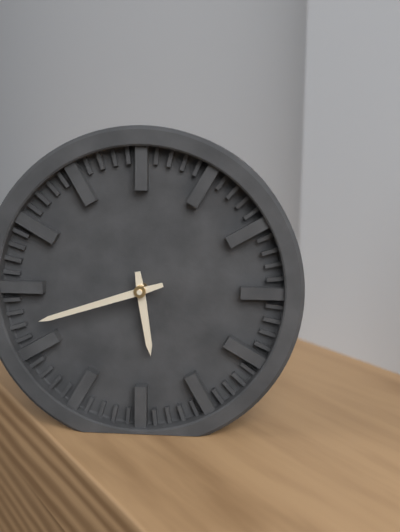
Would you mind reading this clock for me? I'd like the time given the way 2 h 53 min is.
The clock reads 5 h 42 min
